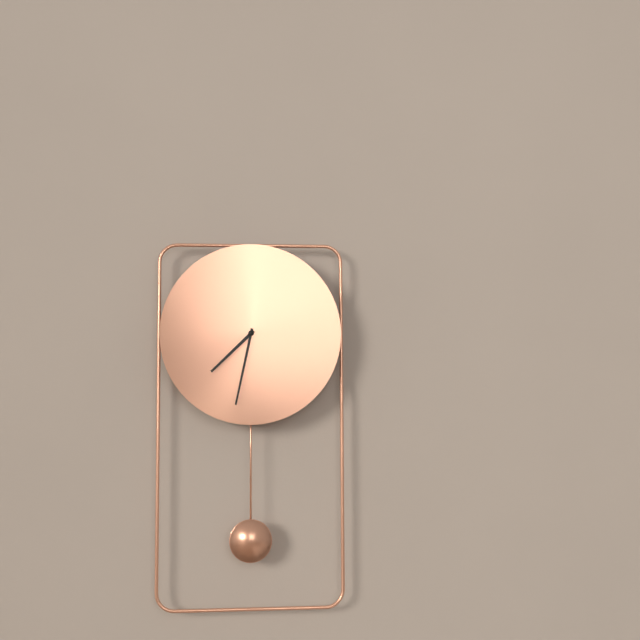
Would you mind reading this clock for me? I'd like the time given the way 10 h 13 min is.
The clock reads 7 h 32 min
